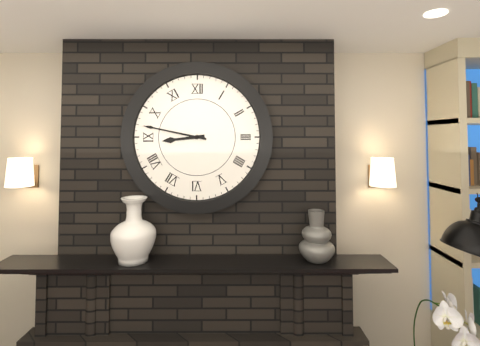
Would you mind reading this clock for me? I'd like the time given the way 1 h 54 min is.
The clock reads 8 h 47 min
